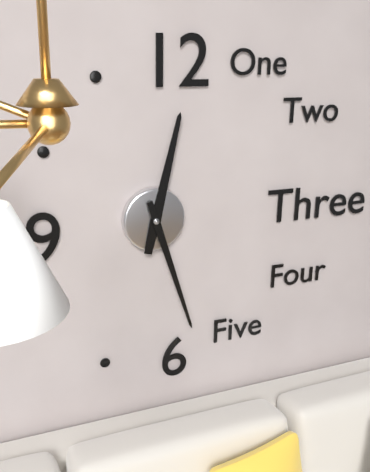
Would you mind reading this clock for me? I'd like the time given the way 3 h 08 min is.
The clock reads 12 h 27 min
